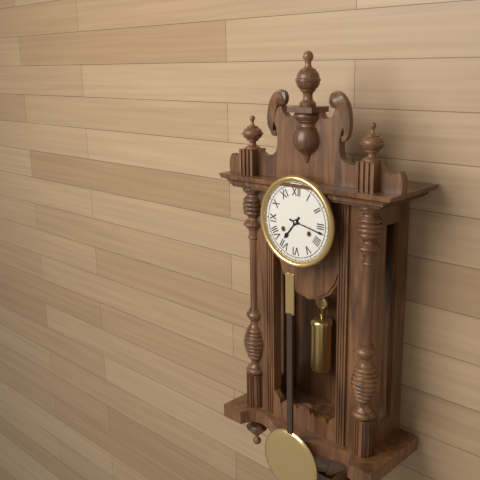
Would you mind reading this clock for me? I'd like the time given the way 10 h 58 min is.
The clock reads 7 h 17 min
